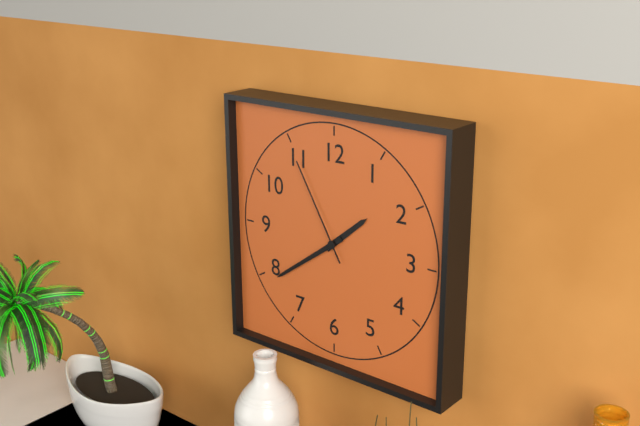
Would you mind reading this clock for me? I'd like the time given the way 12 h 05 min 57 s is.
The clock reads 1 h 39 min 55 s
